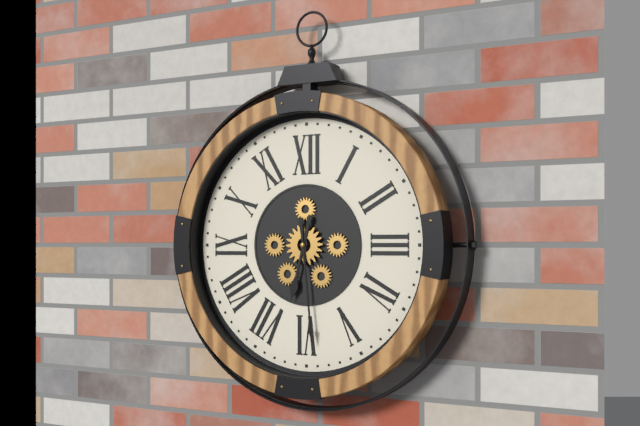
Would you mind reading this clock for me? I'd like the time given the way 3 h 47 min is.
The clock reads 6 h 29 min
